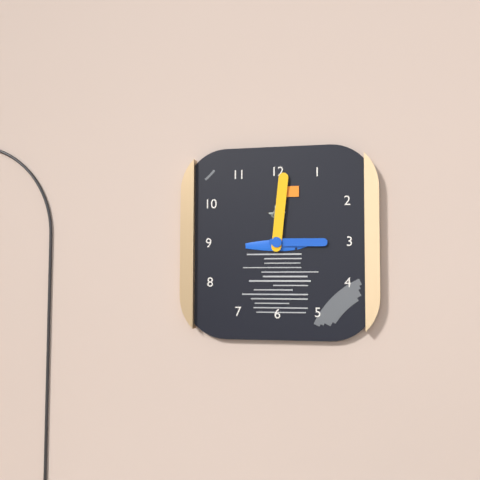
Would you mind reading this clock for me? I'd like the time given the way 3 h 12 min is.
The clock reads 3 h 01 min
